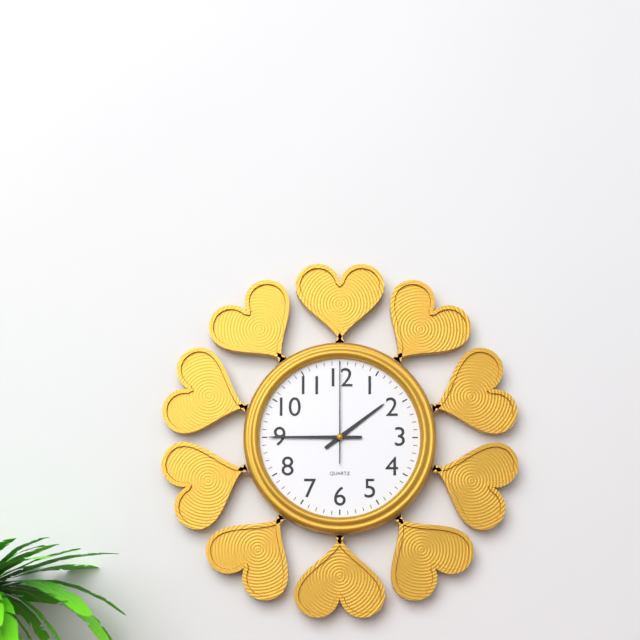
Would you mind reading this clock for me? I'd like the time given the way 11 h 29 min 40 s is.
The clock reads 1 h 45 min 00 s
